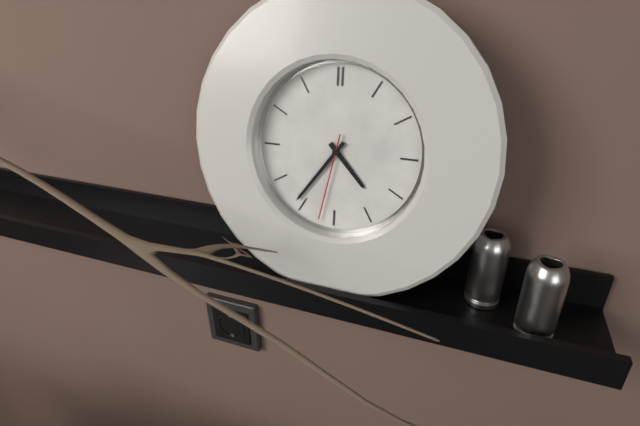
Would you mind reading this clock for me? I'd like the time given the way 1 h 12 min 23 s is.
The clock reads 4 h 36 min 32 s
